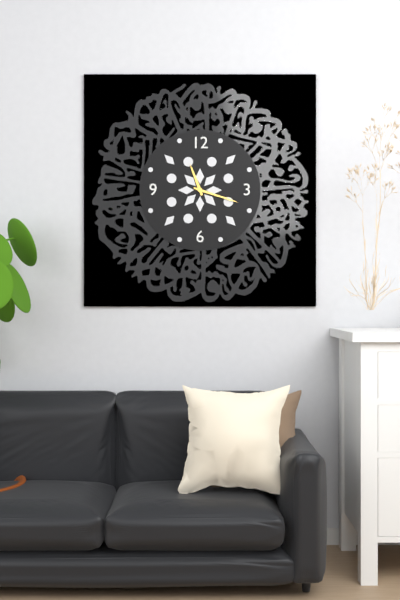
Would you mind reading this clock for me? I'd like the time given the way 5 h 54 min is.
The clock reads 11 h 18 min
